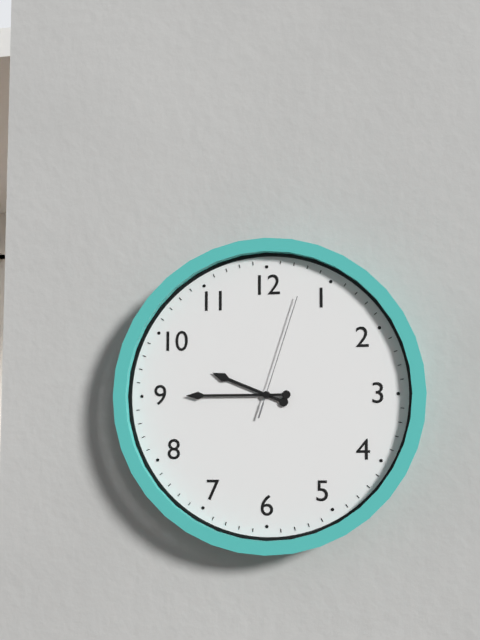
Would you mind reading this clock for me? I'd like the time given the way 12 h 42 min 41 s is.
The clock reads 9 h 45 min 03 s
